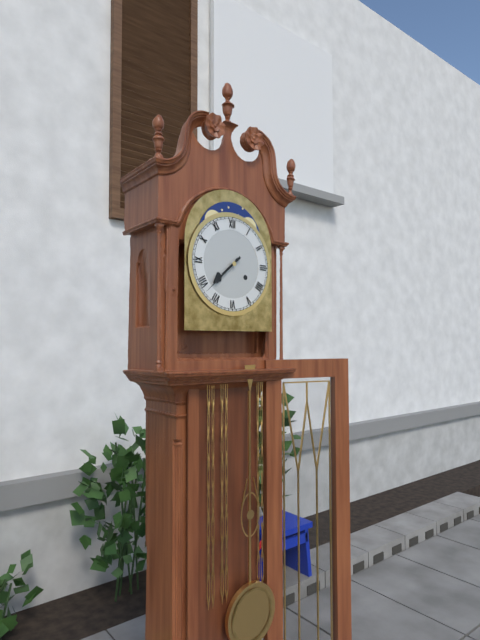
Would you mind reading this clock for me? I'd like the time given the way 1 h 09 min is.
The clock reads 7 h 38 min
